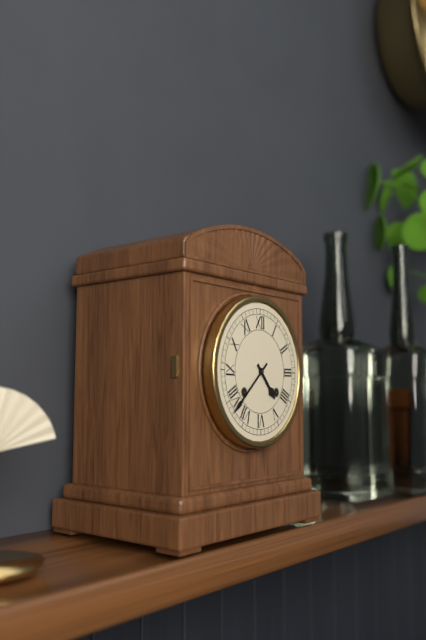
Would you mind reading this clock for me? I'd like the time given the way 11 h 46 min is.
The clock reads 4 h 38 min
